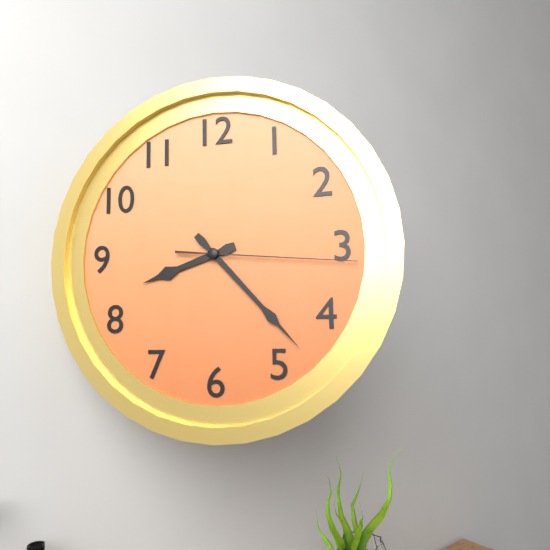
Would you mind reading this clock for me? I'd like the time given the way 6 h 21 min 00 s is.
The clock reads 8 h 23 min 16 s
